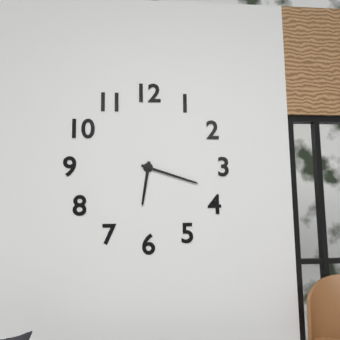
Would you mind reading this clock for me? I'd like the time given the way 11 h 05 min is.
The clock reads 6 h 18 min
